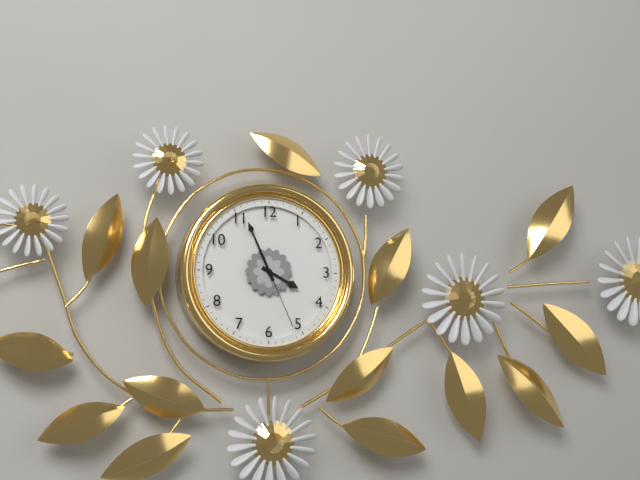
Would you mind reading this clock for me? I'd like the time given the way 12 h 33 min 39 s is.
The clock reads 3 h 56 min 26 s
